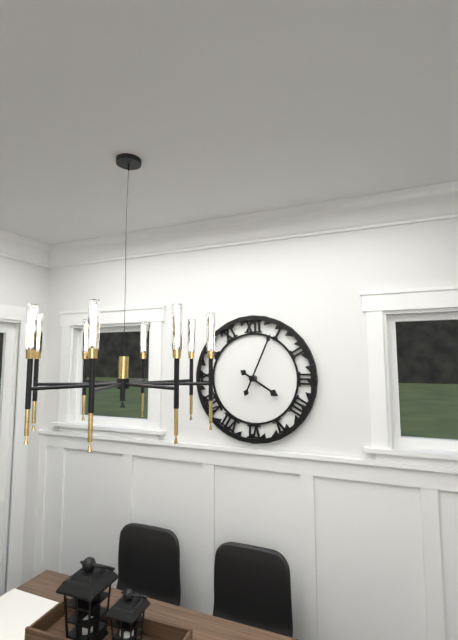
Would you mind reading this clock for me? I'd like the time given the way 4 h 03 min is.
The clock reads 4 h 04 min
